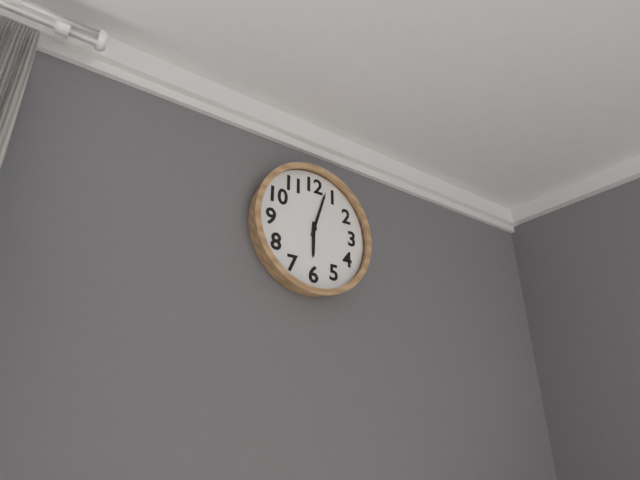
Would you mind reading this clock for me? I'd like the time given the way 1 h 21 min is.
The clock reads 6 h 03 min
